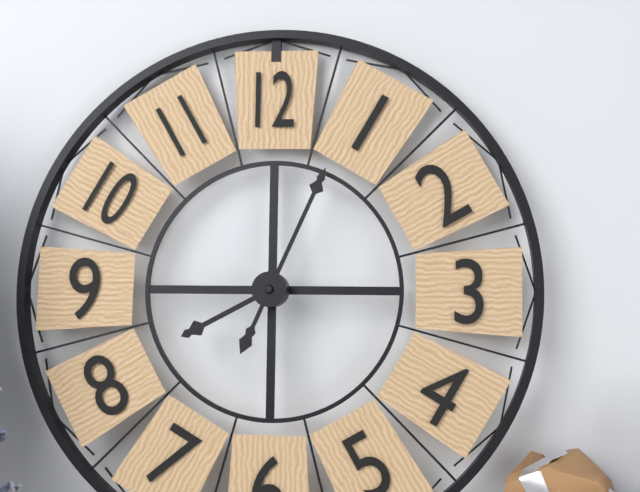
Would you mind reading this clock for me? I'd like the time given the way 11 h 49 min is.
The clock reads 8 h 04 min
